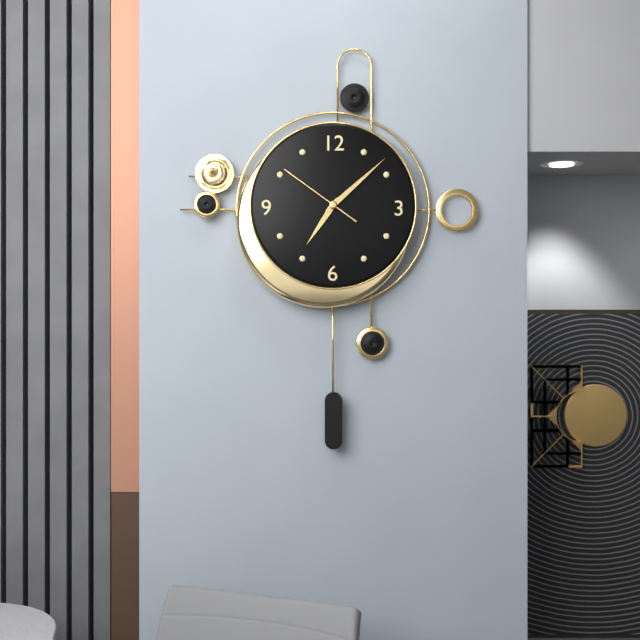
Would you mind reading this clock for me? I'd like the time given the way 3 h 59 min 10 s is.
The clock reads 7 h 08 min 51 s
